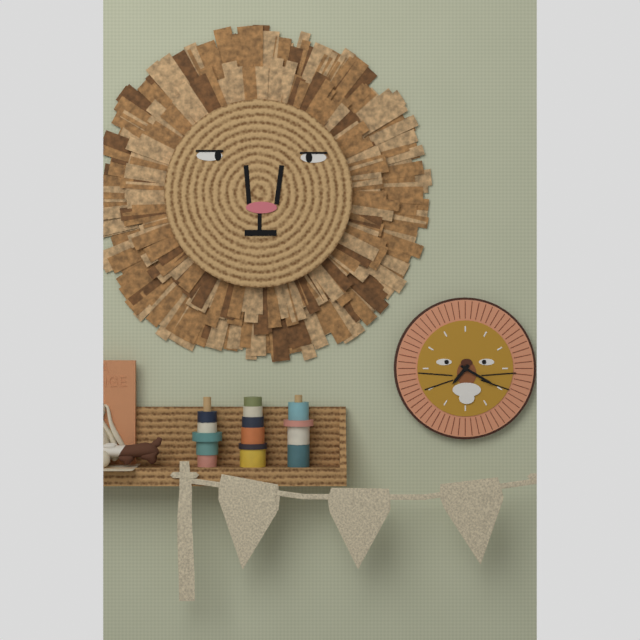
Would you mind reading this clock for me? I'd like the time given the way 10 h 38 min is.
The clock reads 7 h 20 min
